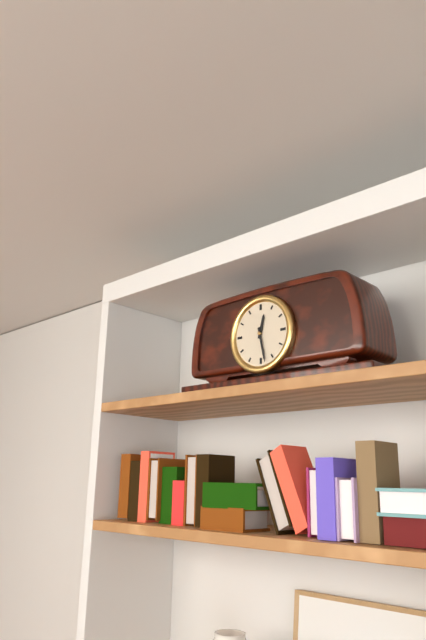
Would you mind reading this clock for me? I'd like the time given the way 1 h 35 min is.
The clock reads 12 h 28 min
